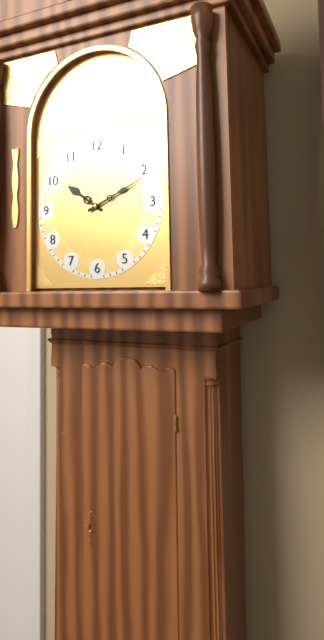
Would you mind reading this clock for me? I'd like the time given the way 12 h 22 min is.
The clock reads 10 h 11 min
